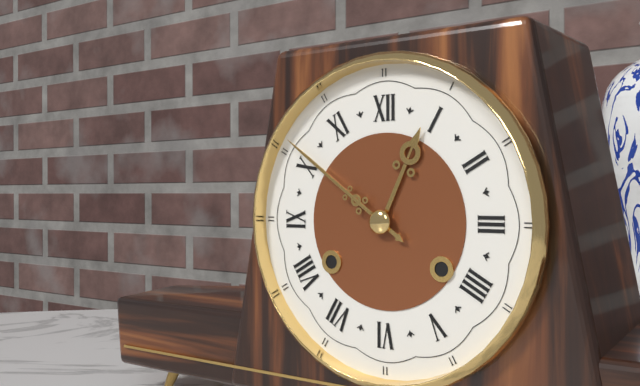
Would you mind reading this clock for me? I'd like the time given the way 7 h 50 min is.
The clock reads 12 h 51 min
